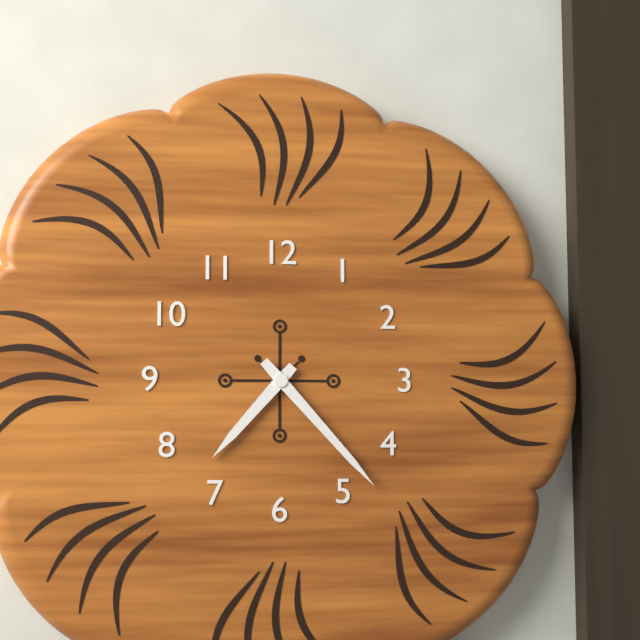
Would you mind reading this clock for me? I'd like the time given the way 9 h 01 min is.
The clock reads 7 h 23 min
